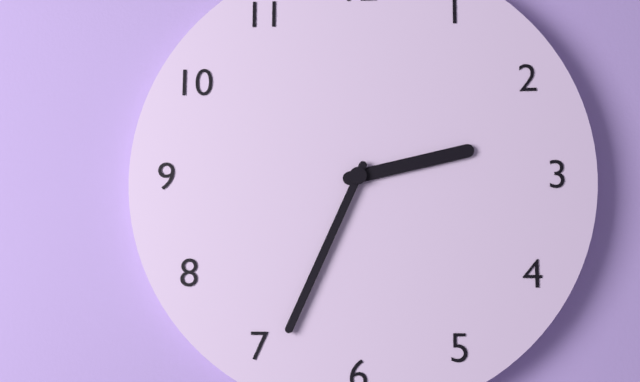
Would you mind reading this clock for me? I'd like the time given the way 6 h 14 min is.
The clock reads 2 h 34 min
